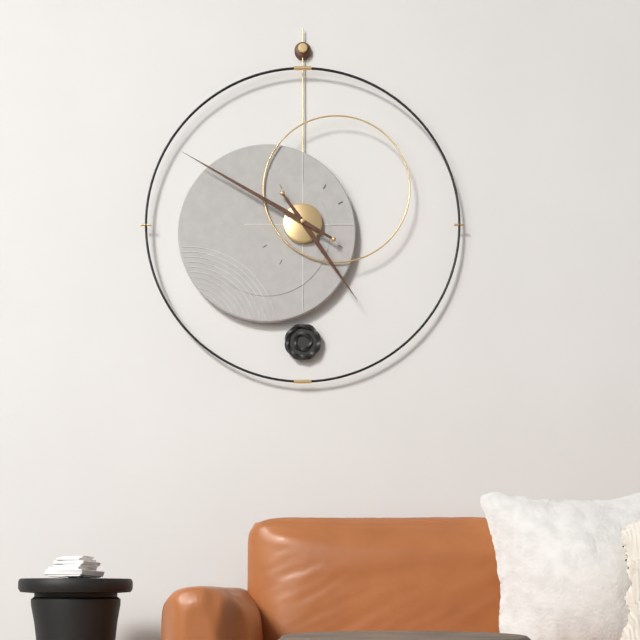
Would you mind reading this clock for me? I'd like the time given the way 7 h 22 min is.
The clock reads 4 h 50 min
